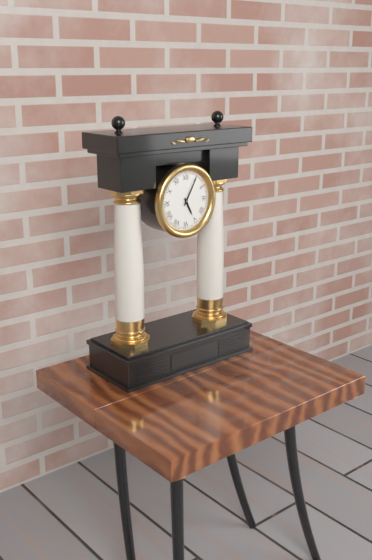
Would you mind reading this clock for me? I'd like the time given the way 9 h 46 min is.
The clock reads 5 h 05 min
